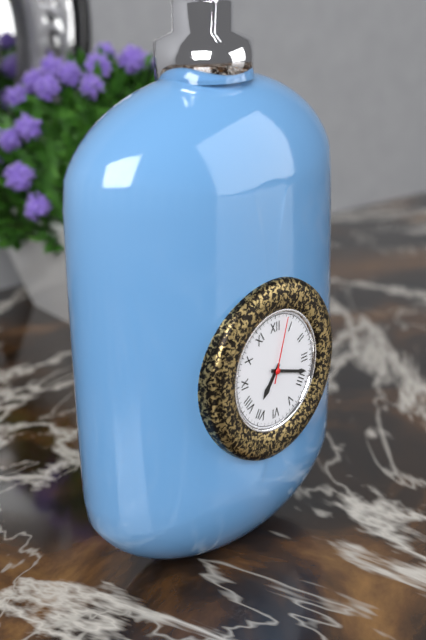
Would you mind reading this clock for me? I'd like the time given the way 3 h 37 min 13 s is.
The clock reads 7 h 18 min 03 s
